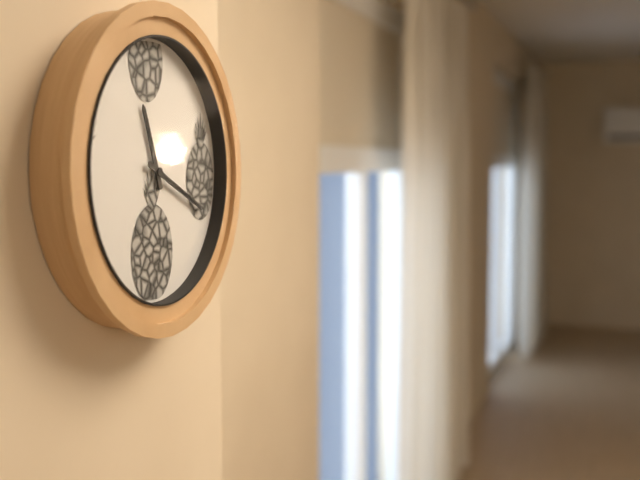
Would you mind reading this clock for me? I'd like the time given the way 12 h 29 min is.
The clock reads 11 h 19 min
